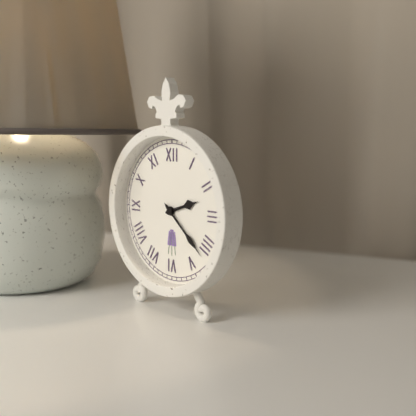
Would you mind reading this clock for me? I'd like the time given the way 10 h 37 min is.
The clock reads 2 h 22 min
